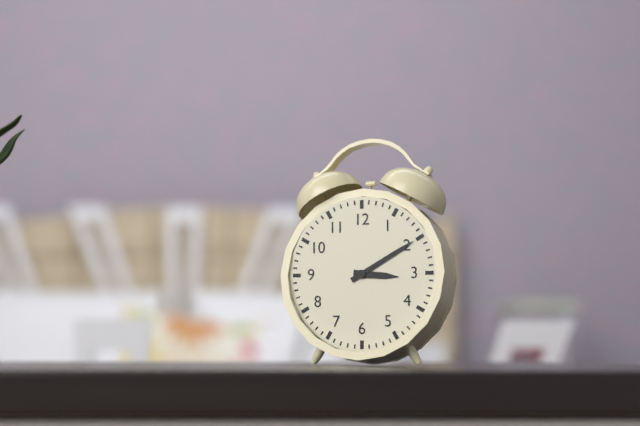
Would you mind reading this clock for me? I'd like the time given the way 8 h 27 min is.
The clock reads 3 h 10 min
